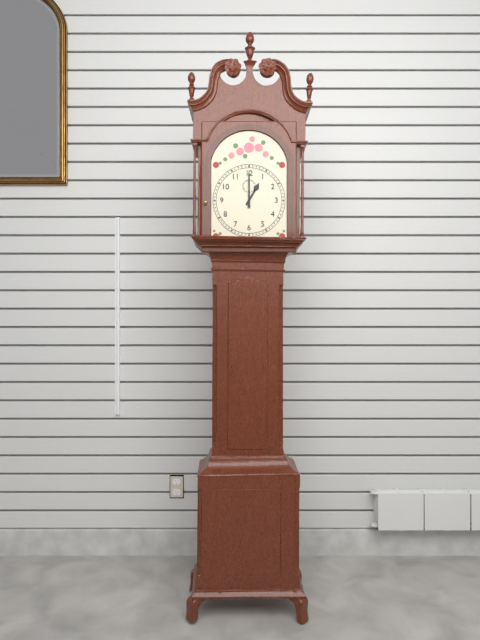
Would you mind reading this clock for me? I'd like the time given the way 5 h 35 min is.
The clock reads 1 h 00 min
